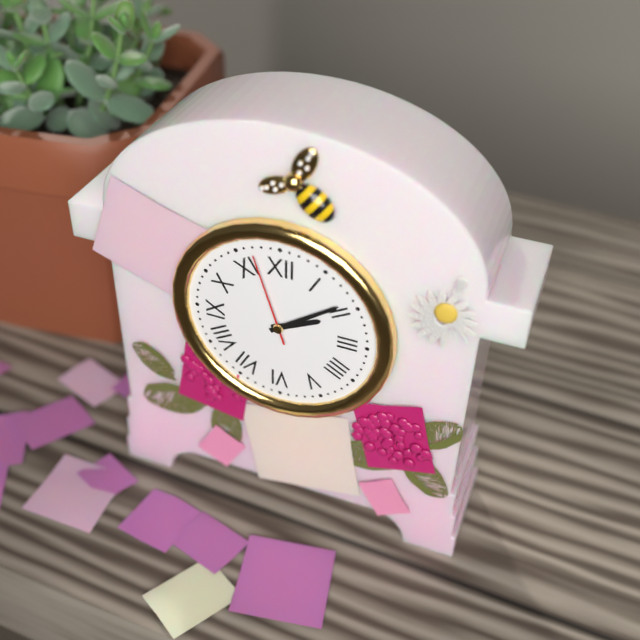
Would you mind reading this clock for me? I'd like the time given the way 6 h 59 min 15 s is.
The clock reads 2 h 09 min 57 s
